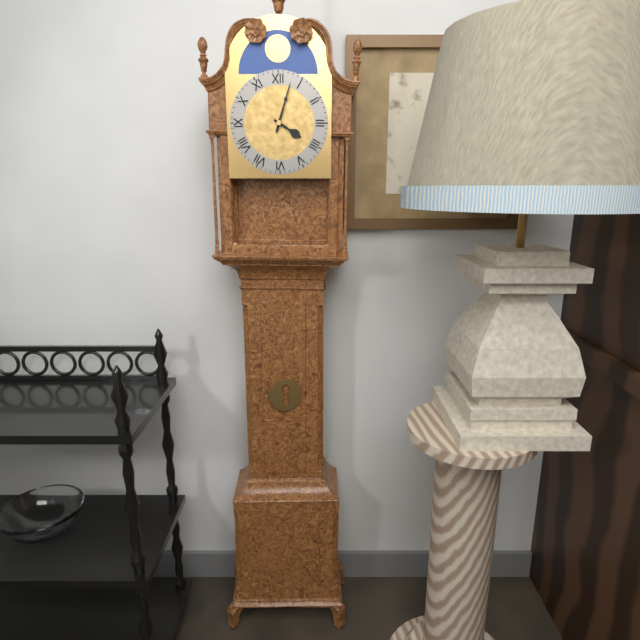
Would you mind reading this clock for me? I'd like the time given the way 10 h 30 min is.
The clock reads 4 h 03 min
